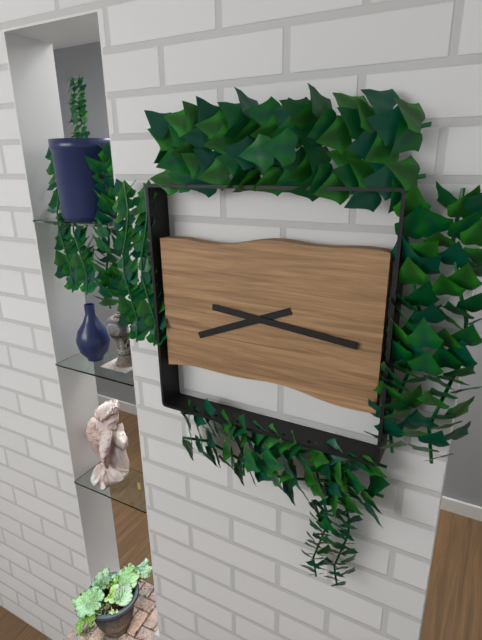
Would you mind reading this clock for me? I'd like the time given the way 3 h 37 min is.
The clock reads 8 h 16 min
